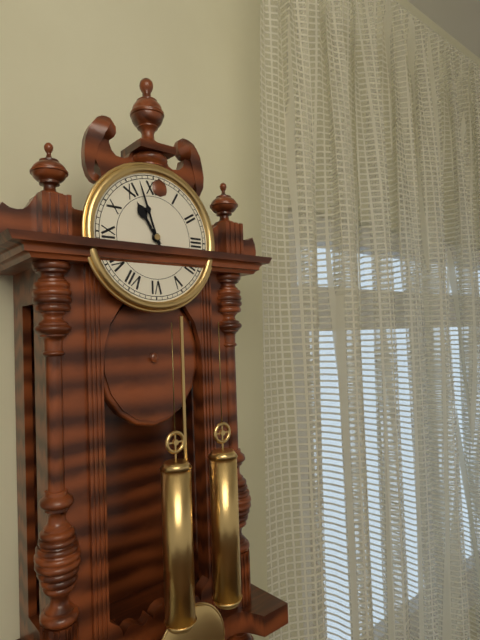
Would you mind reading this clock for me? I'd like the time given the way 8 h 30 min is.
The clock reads 10 h 57 min
